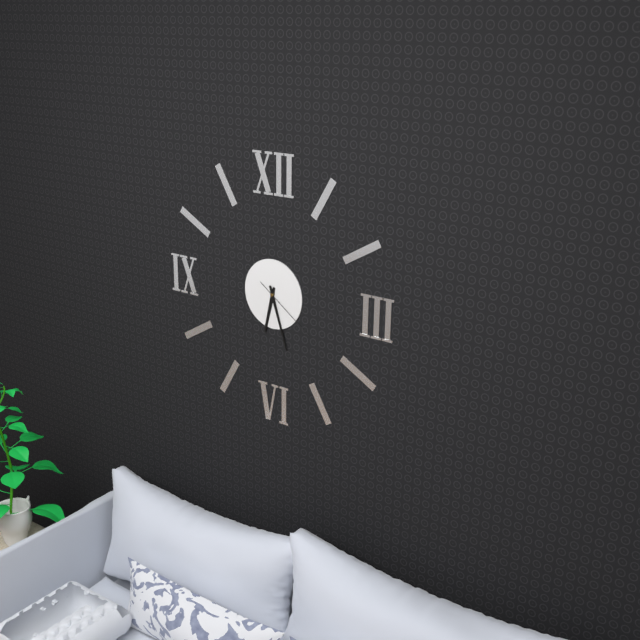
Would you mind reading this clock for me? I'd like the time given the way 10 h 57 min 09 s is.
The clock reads 6 h 27 min 21 s
